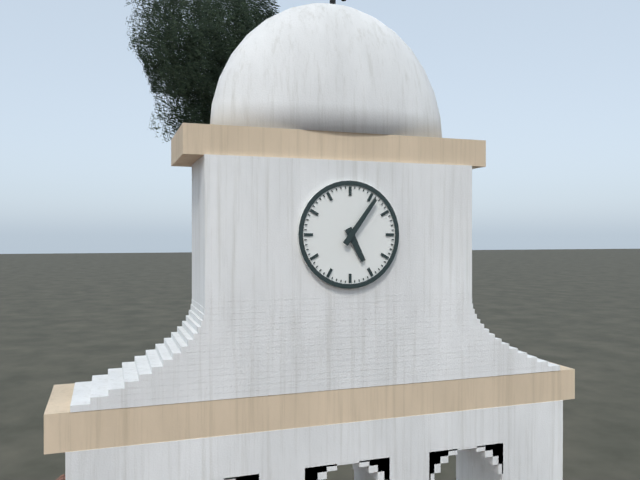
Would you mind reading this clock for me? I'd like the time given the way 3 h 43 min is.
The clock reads 5 h 06 min
